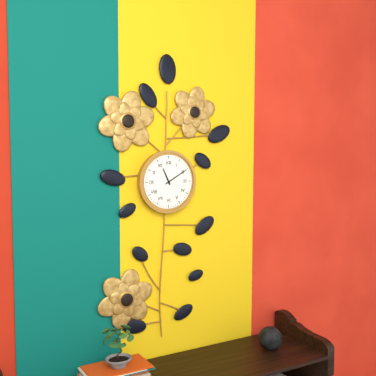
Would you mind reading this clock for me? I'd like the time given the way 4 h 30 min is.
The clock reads 11 h 10 min
